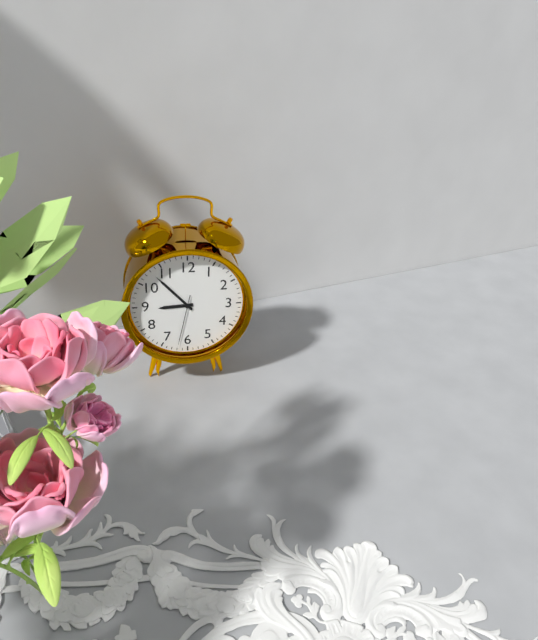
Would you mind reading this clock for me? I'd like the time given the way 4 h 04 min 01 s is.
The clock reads 8 h 53 min 32 s
